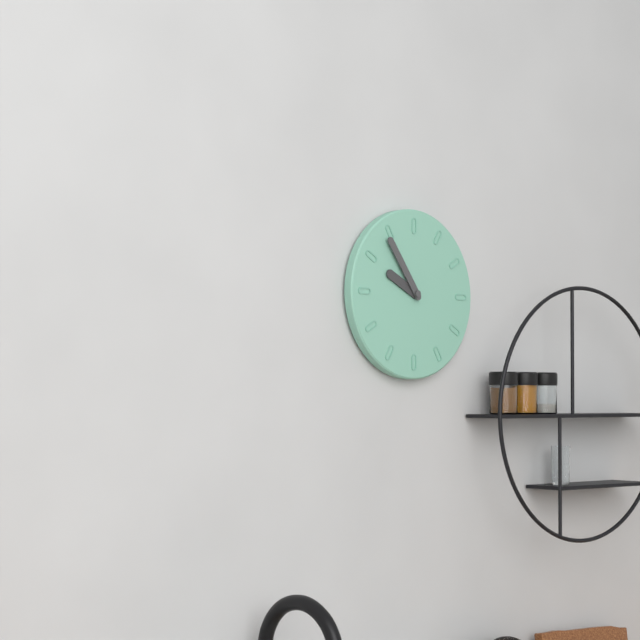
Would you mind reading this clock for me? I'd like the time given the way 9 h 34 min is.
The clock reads 9 h 54 min
